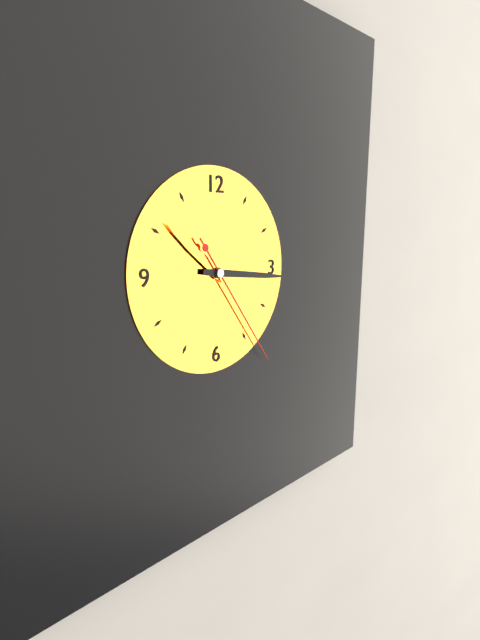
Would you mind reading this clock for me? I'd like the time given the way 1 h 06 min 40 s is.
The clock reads 10 h 16 min 24 s
